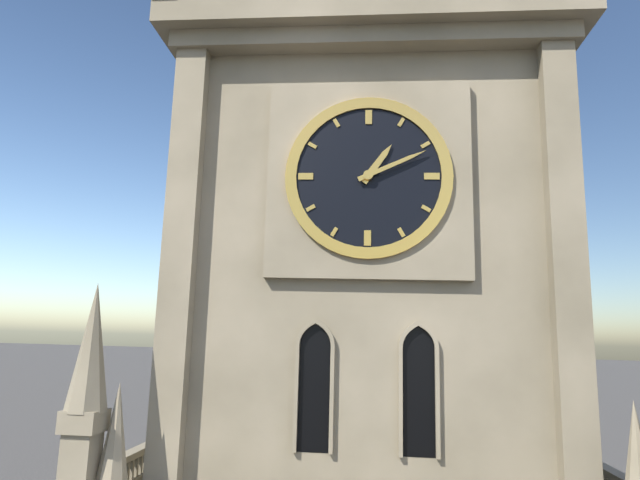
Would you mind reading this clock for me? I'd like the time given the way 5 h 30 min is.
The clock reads 1 h 11 min
